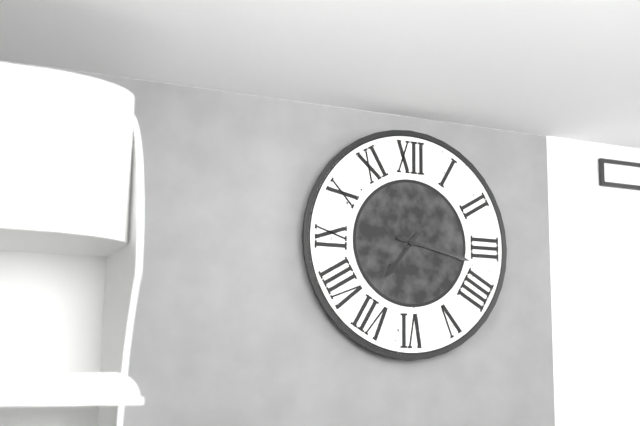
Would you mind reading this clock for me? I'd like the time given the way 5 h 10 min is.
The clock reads 7 h 17 min
